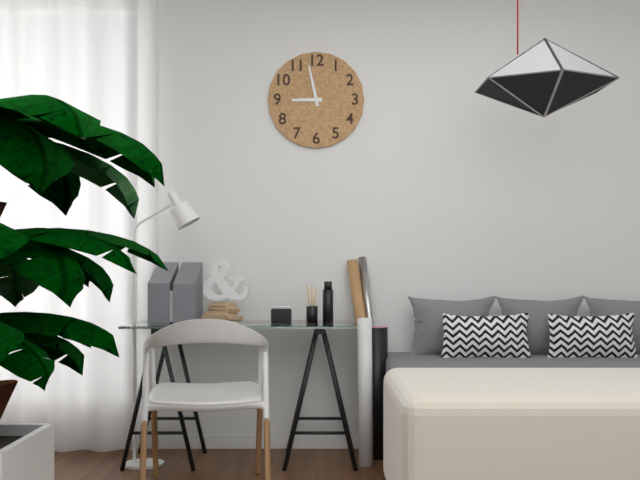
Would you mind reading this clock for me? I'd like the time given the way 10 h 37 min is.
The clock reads 8 h 58 min
